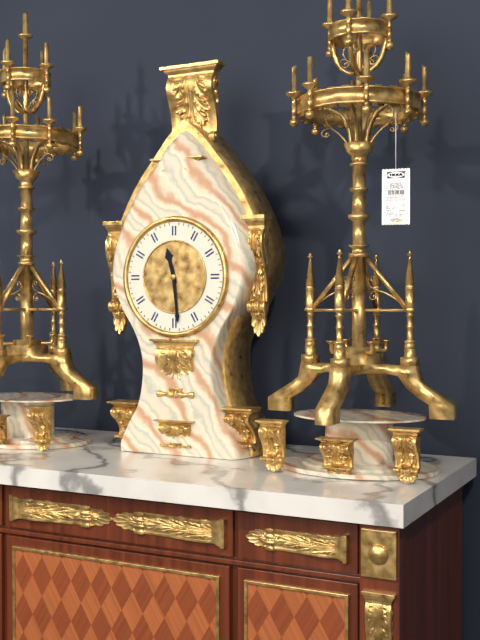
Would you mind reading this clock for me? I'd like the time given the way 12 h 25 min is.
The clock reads 11 h 29 min
